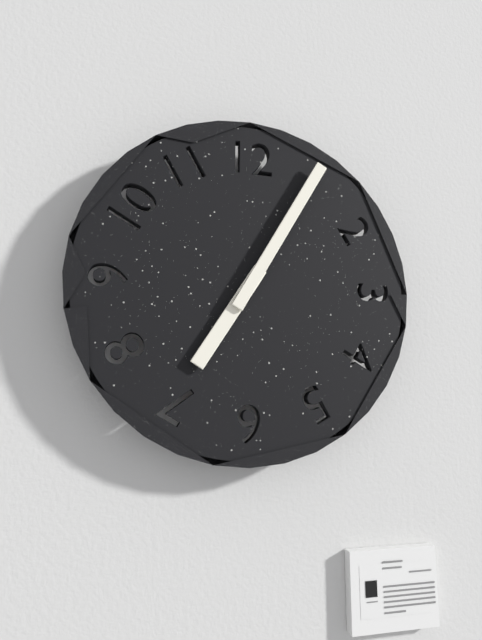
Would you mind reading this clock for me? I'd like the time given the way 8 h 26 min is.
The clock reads 7 h 05 min
